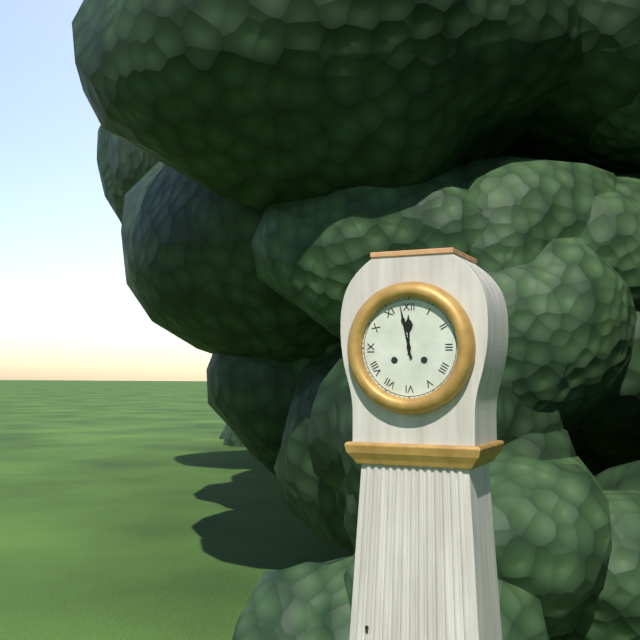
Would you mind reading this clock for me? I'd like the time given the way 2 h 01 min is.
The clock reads 11 h 58 min
